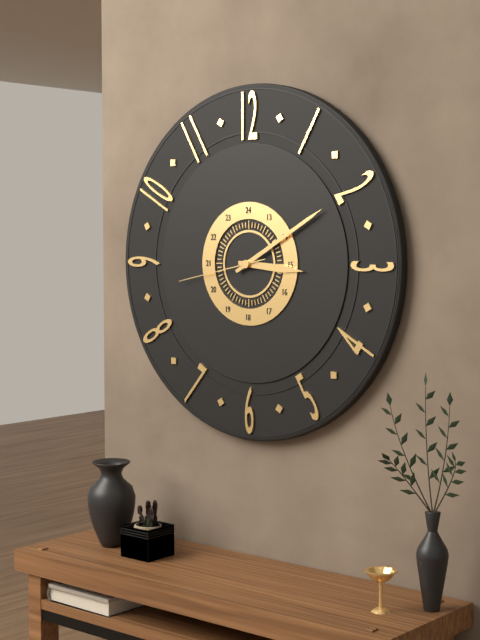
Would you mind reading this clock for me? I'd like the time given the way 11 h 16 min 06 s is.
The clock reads 3 h 10 min 43 s
